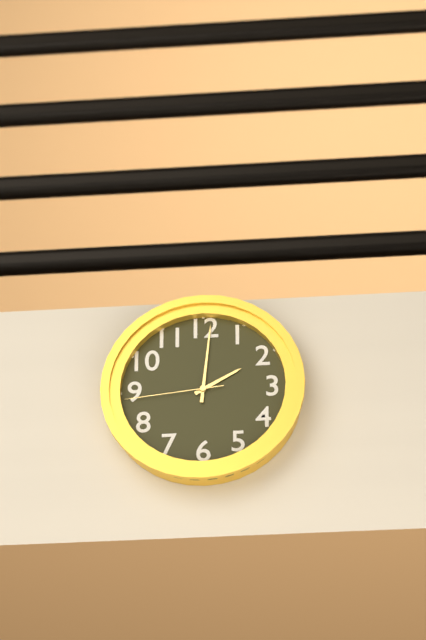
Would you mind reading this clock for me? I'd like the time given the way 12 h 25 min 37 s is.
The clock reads 2 h 01 min 44 s
